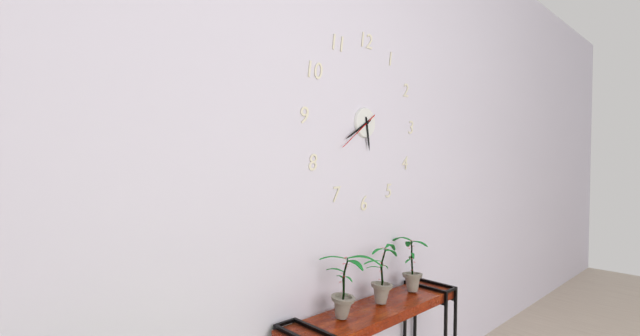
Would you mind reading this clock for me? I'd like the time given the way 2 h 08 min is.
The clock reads 5 h 40 min
